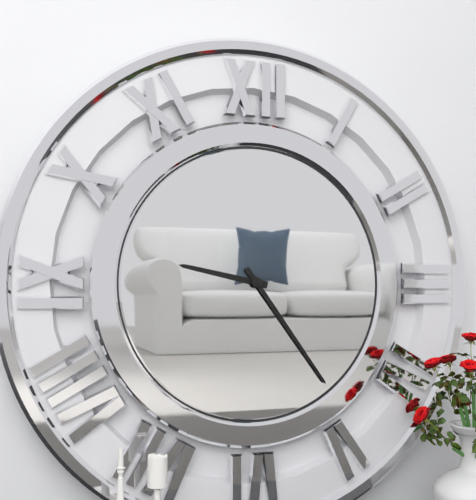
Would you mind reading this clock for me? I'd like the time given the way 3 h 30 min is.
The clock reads 9 h 24 min
